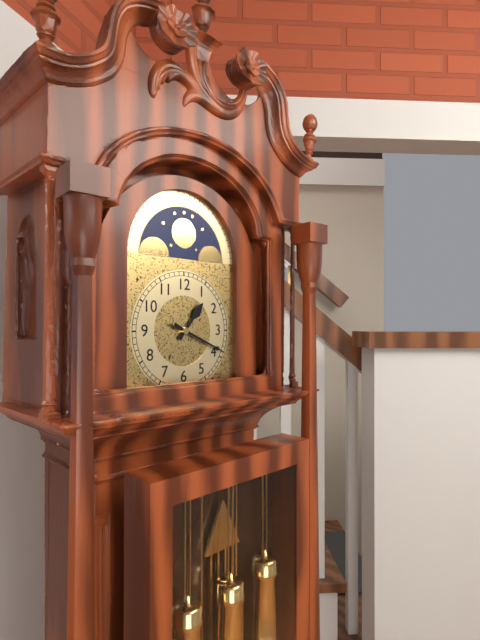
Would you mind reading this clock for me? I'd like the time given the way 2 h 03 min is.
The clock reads 1 h 19 min
